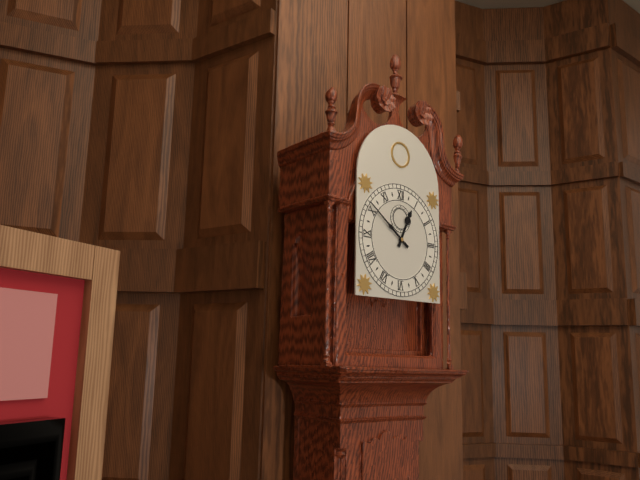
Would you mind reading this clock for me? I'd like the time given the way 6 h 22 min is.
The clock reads 12 h 51 min
